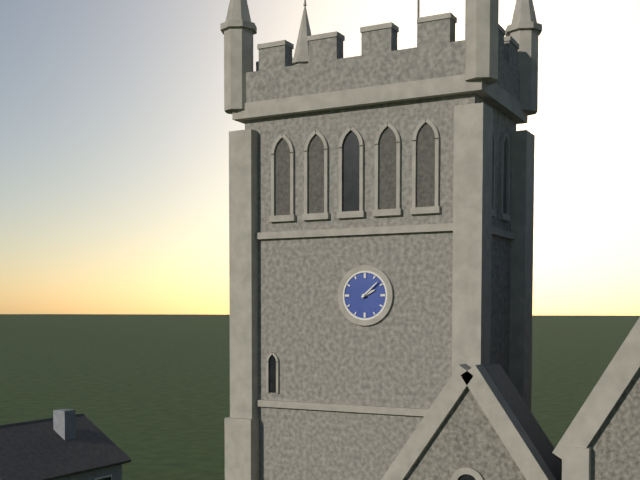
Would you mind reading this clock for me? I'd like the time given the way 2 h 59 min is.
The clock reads 2 h 08 min
